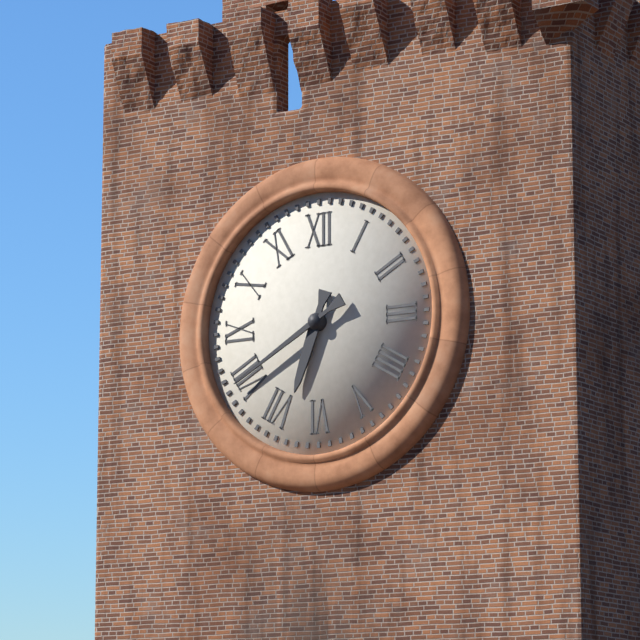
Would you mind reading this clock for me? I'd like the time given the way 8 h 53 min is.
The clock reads 6 h 40 min
